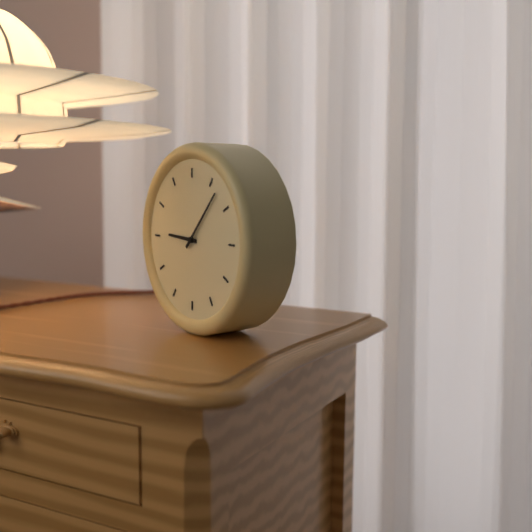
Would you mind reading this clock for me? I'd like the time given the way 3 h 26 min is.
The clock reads 9 h 07 min
